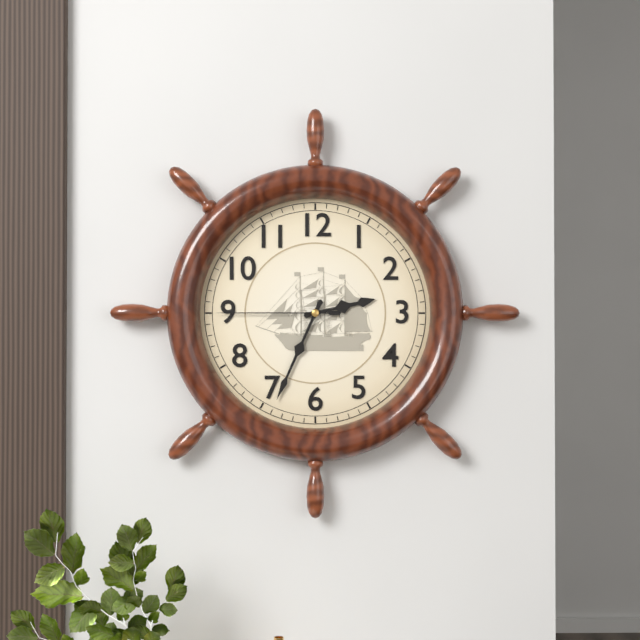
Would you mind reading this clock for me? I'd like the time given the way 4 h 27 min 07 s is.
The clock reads 2 h 34 min 45 s
